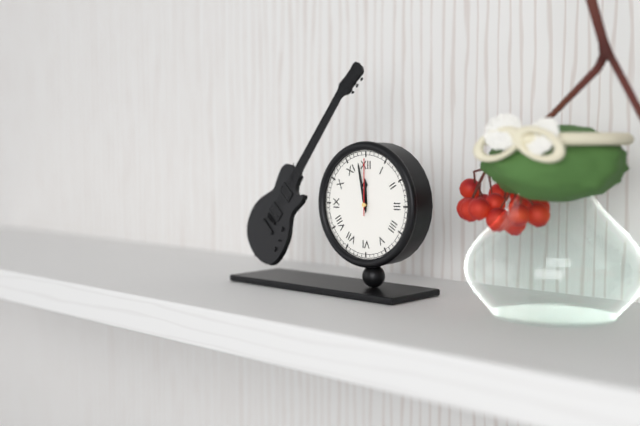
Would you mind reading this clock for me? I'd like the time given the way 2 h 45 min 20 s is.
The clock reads 11 h 58 min 00 s
